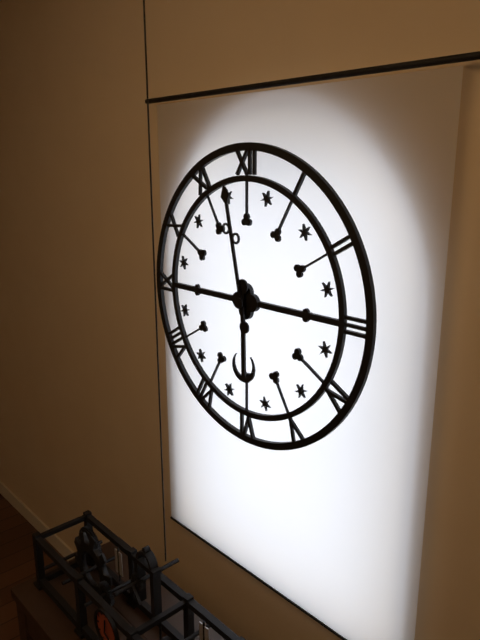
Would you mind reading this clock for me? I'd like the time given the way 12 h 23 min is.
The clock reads 5 h 58 min
